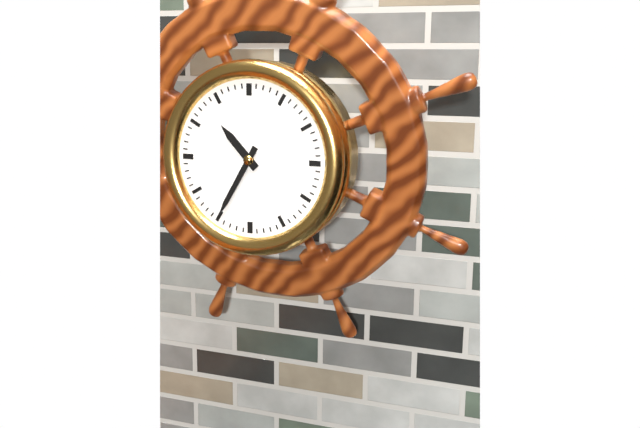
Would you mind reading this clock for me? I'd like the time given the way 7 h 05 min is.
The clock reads 10 h 35 min
